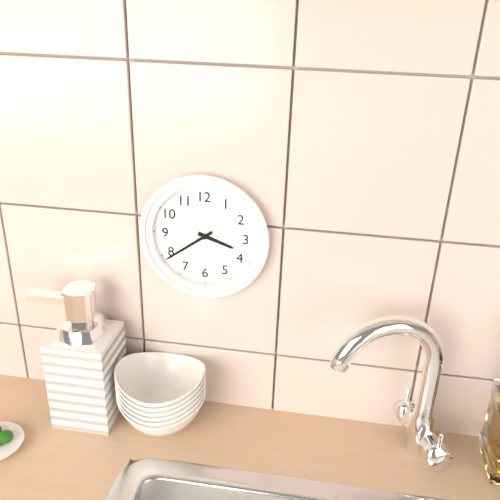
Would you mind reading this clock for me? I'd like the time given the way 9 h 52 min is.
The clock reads 3 h 39 min
